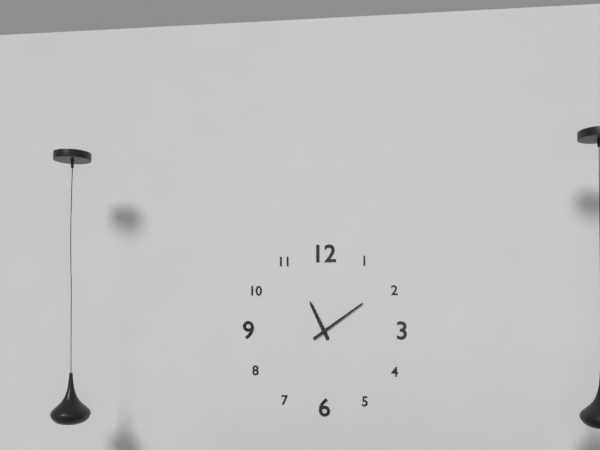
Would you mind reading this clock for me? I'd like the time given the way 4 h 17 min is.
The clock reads 11 h 09 min
